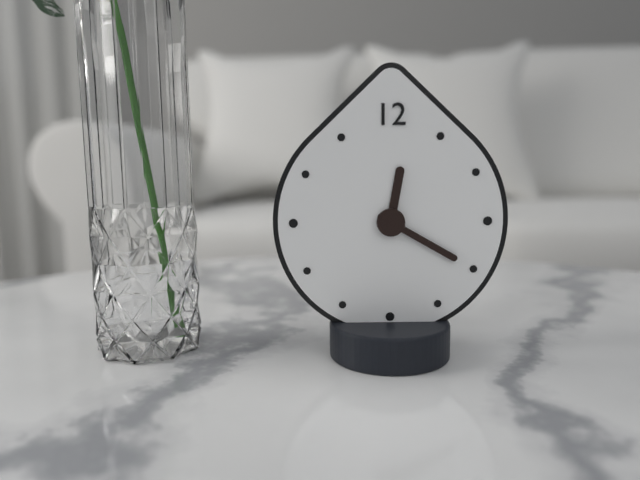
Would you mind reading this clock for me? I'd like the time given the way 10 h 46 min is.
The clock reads 12 h 20 min
